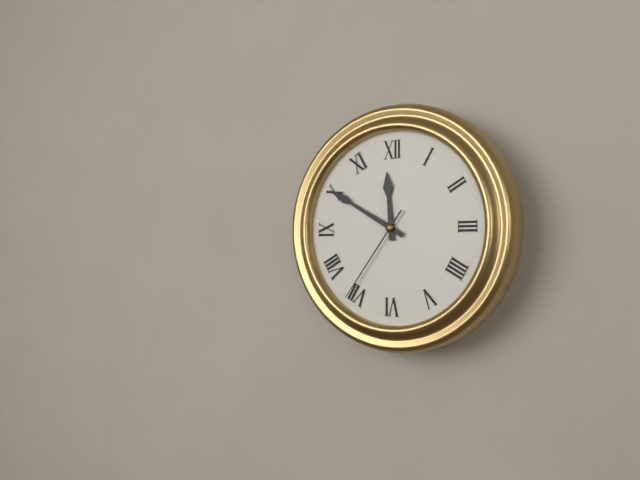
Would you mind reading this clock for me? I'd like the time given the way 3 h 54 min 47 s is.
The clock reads 11 h 50 min 36 s
